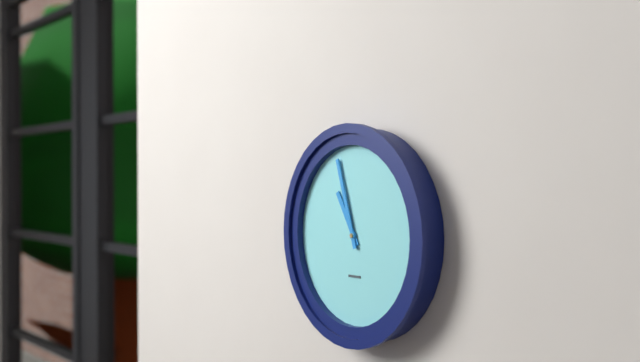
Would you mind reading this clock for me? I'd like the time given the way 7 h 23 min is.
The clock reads 10 h 57 min
